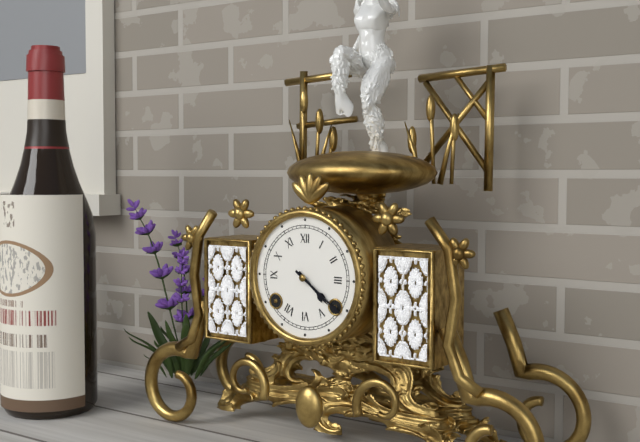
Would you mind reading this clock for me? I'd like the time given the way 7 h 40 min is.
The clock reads 4 h 21 min
